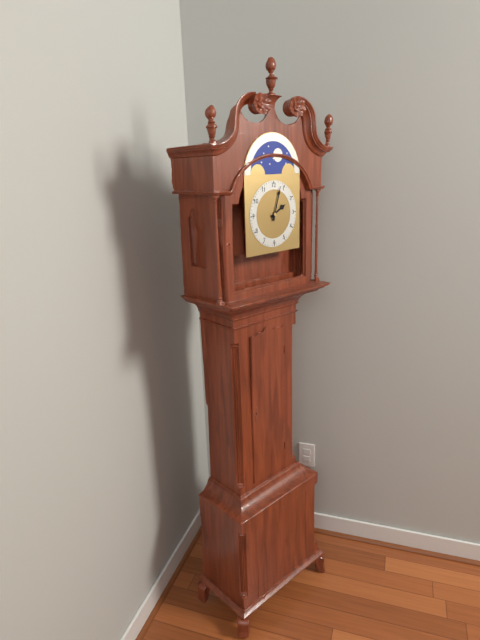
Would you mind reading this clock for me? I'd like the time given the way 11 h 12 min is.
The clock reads 2 h 03 min
